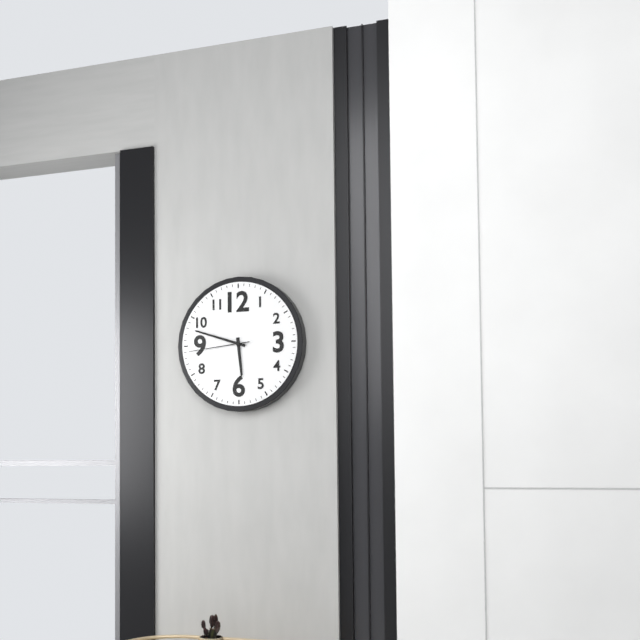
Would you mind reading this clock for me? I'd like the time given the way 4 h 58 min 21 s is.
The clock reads 5 h 48 min 44 s
